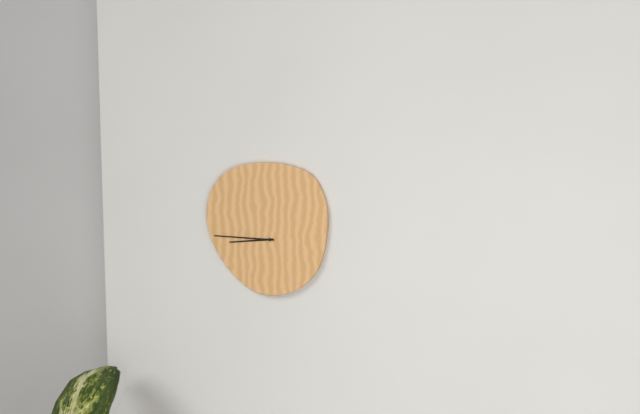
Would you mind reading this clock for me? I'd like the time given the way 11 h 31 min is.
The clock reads 8 h 45 min
